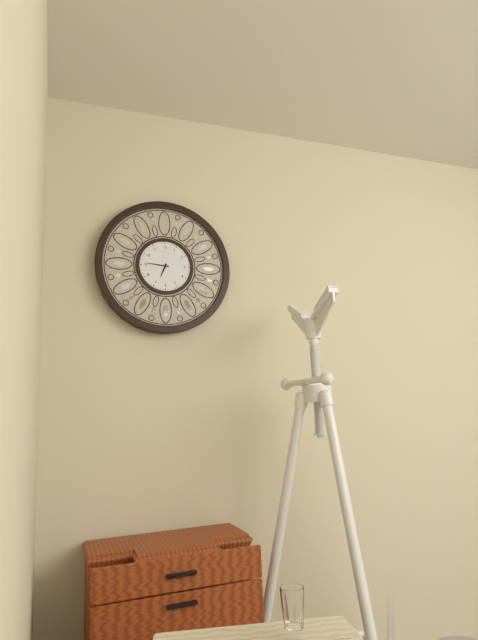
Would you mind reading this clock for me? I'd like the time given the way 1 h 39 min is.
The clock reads 6 h 46 min
